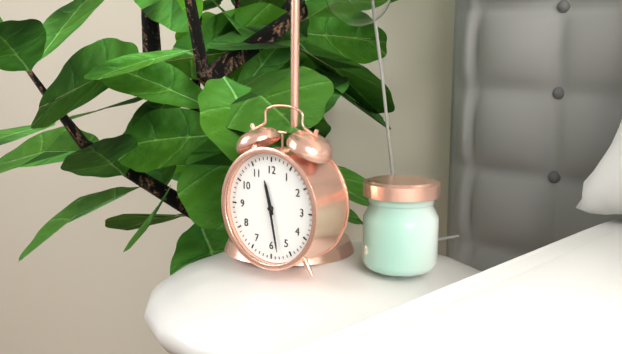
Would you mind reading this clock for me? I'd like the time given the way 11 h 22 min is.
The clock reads 11 h 28 min
